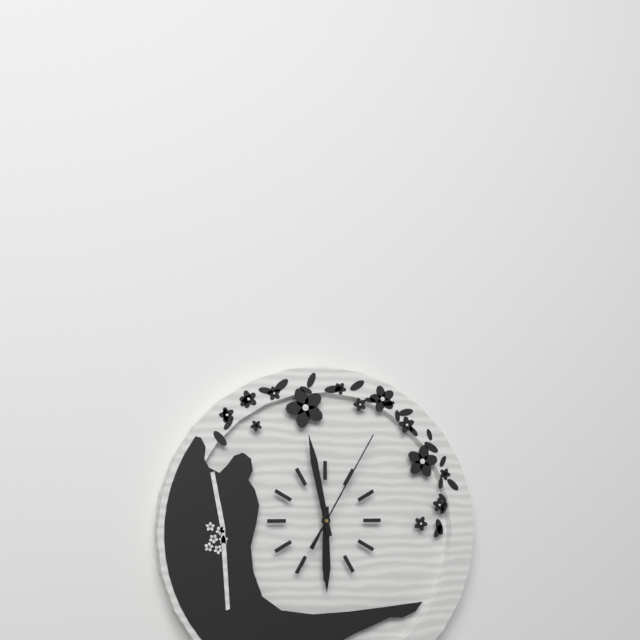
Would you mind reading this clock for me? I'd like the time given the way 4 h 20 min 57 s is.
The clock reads 5 h 58 min 05 s
